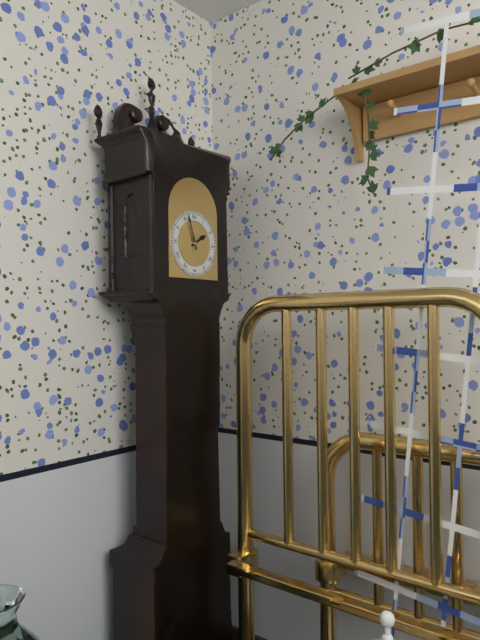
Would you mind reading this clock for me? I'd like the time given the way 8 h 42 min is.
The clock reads 1 h 57 min
